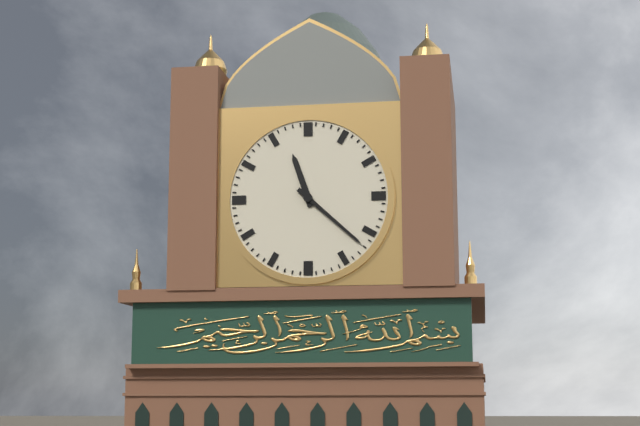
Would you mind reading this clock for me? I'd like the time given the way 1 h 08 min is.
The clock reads 11 h 22 min
